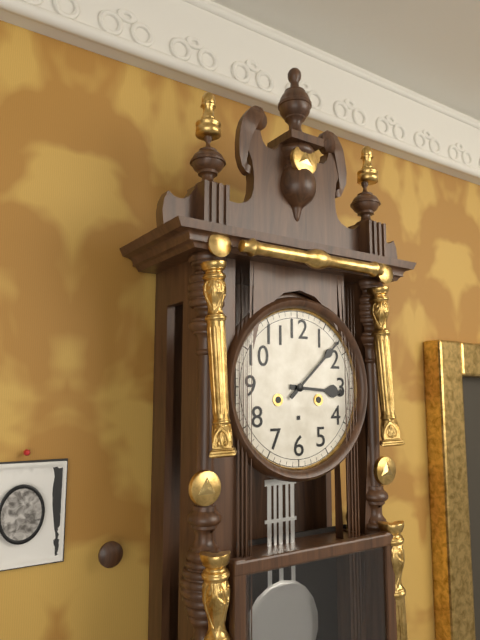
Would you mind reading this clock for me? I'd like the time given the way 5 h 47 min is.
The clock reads 3 h 08 min
